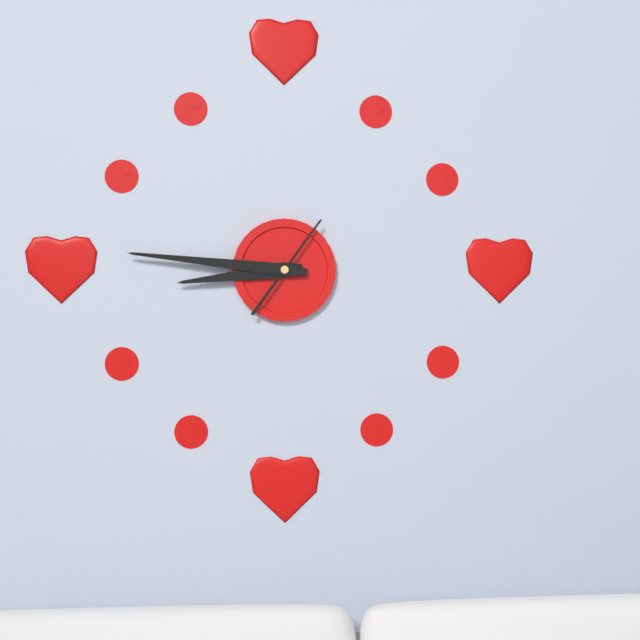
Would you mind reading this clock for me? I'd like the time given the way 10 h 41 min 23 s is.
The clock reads 8 h 46 min 06 s
